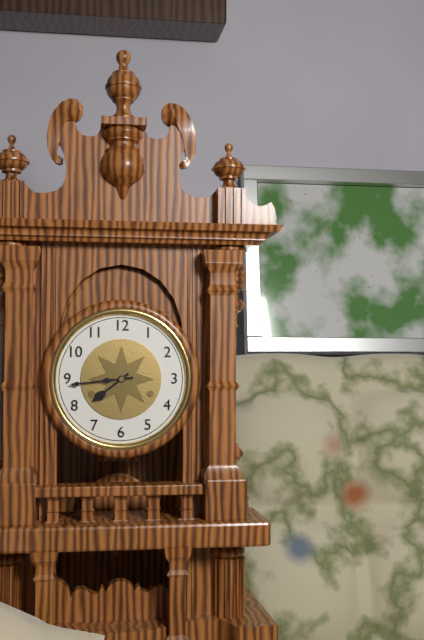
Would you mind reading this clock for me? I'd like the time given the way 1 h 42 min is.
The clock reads 7 h 44 min
